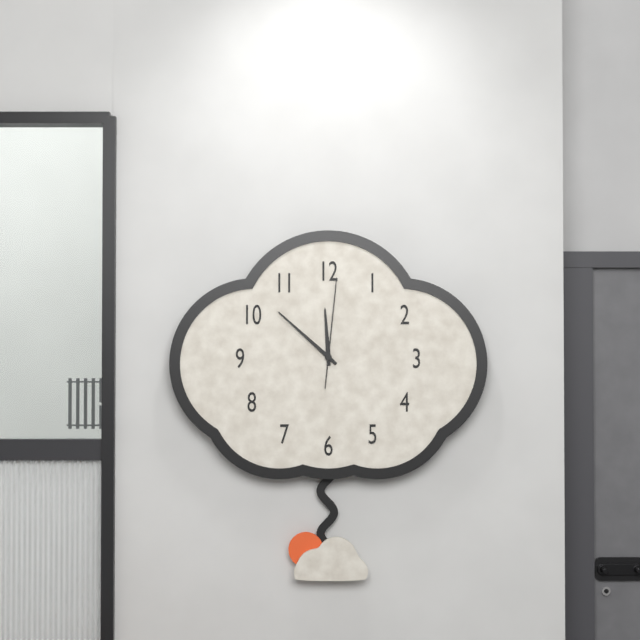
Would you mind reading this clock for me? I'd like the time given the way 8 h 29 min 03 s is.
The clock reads 11 h 52 min 01 s
